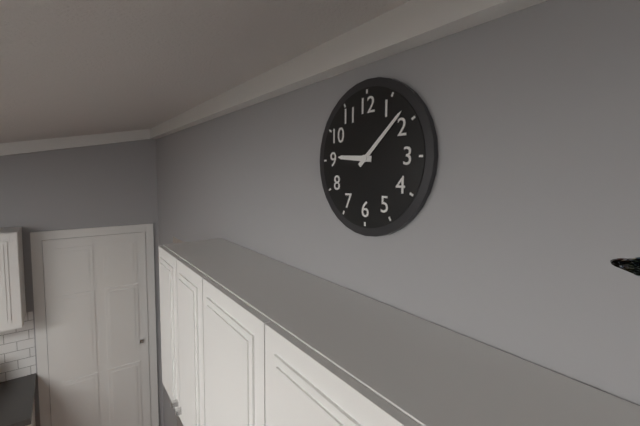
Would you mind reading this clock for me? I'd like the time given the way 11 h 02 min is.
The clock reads 9 h 08 min
